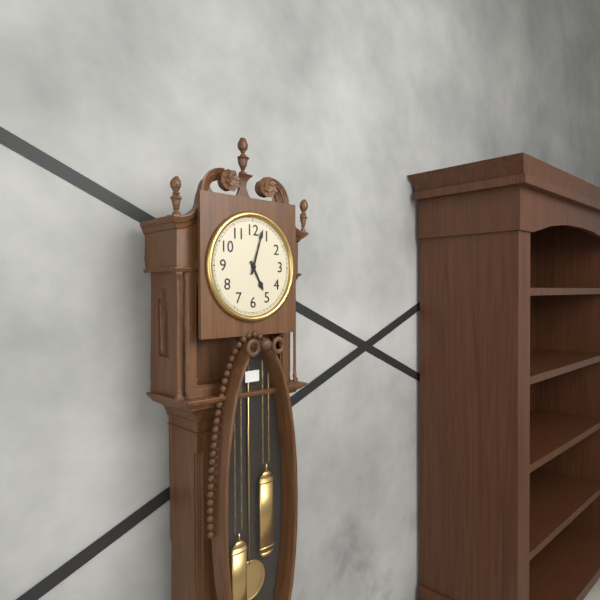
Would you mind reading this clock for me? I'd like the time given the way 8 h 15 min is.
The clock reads 5 h 03 min
